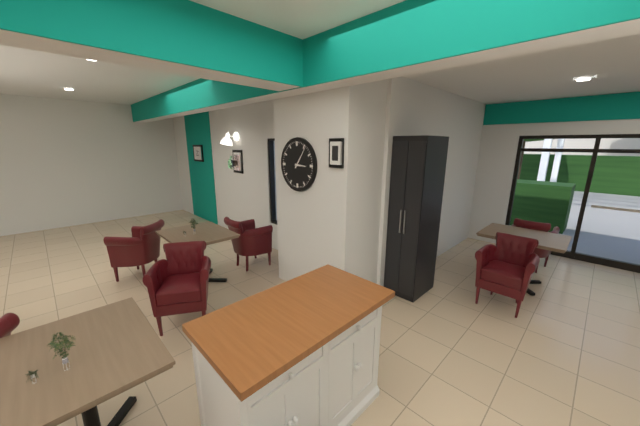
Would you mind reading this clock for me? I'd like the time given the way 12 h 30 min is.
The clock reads 3 h 06 min
